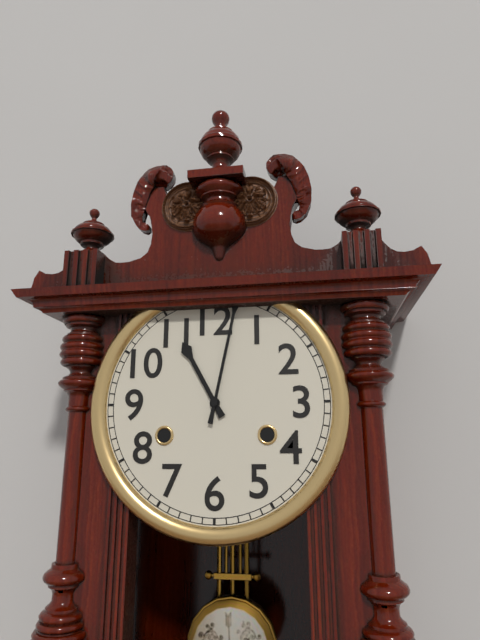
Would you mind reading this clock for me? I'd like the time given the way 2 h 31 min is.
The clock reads 11 h 02 min
